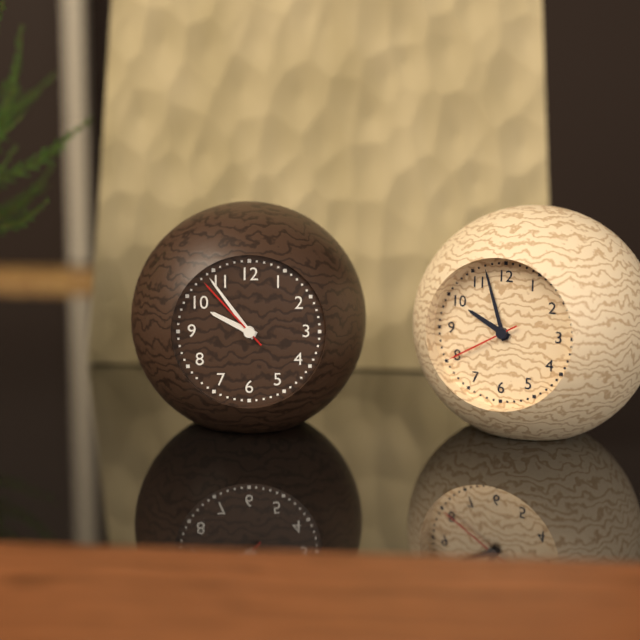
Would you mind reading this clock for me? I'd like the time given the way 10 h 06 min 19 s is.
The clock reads 9 h 54 min 53 s
